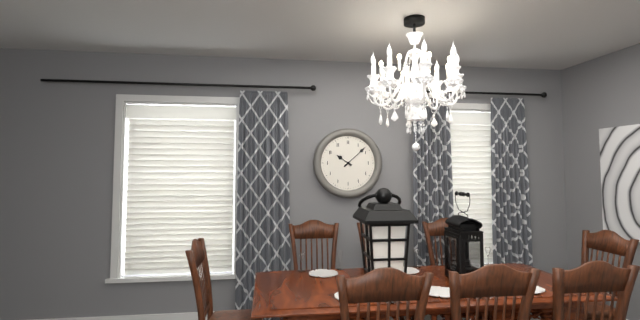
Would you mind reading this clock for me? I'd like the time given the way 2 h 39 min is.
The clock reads 10 h 08 min
